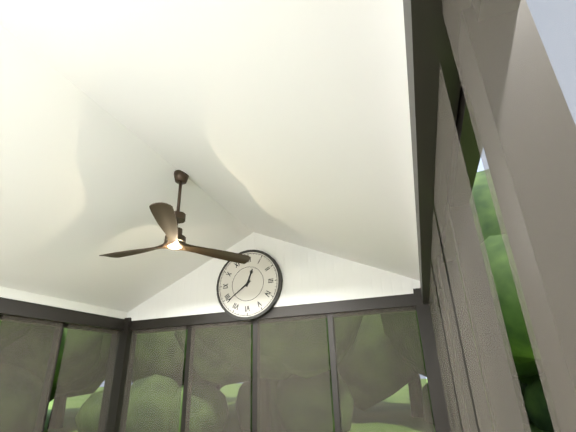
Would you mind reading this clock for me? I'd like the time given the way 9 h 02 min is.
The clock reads 12 h 39 min
